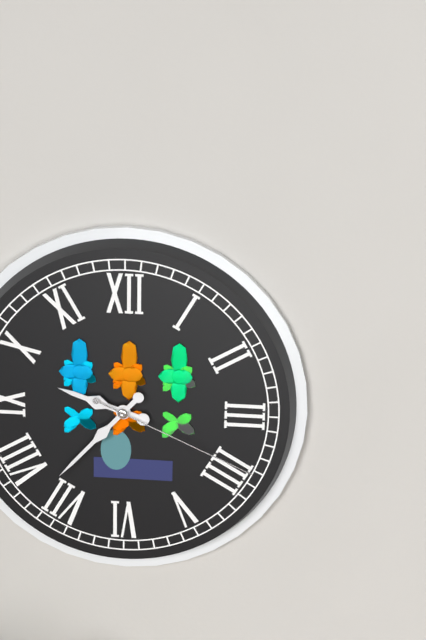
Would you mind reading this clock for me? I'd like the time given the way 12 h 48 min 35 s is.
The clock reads 9 h 37 min 19 s
